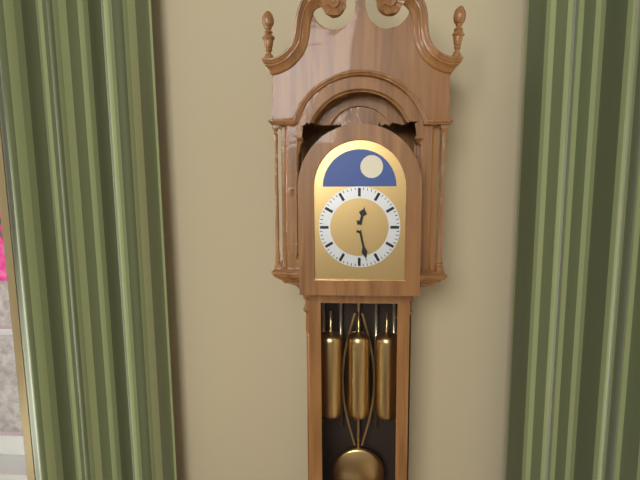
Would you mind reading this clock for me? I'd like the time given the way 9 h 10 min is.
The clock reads 12 h 28 min
